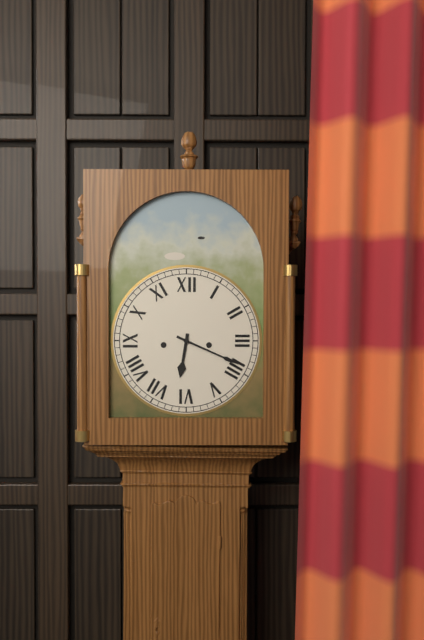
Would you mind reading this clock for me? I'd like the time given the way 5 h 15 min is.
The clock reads 6 h 19 min
